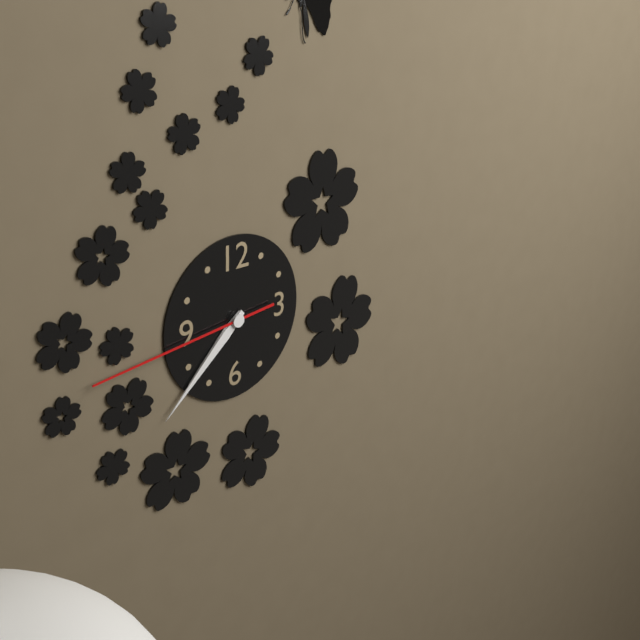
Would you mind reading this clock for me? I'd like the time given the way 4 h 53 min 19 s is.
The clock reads 7 h 38 min 44 s
